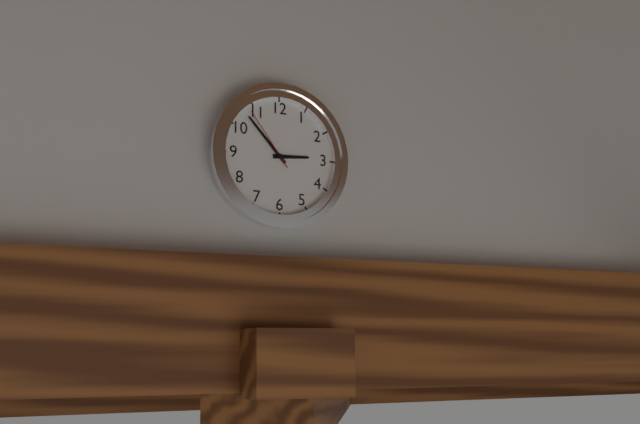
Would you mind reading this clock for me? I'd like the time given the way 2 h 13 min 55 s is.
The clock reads 2 h 53 min 54 s
